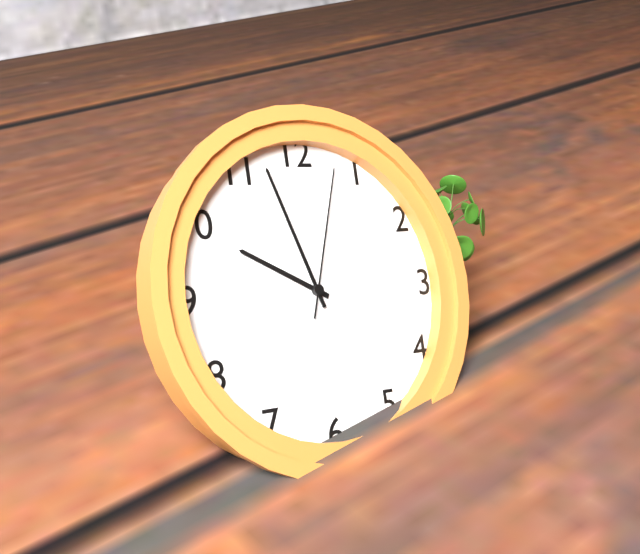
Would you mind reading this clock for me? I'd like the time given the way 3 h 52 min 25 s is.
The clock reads 9 h 57 min 03 s
